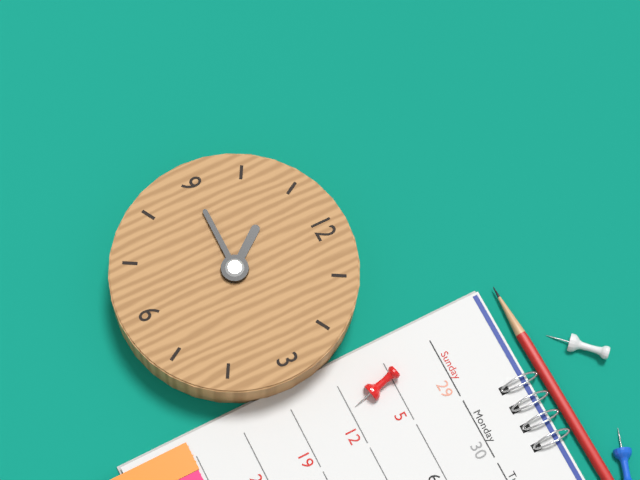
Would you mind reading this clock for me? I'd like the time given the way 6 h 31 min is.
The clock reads 10 h 45 min
